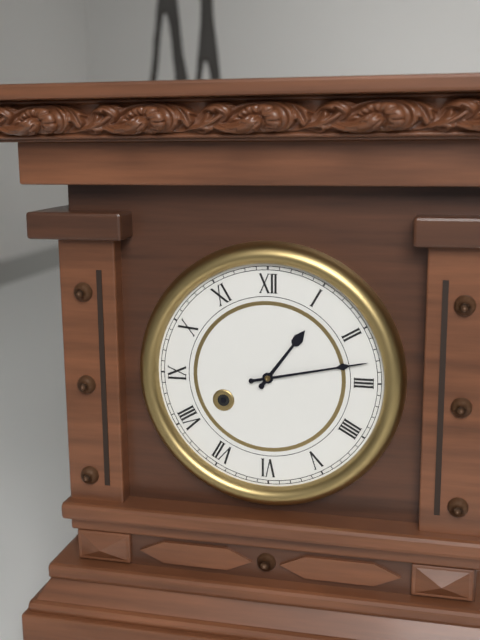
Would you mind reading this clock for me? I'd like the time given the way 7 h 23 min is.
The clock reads 1 h 13 min
